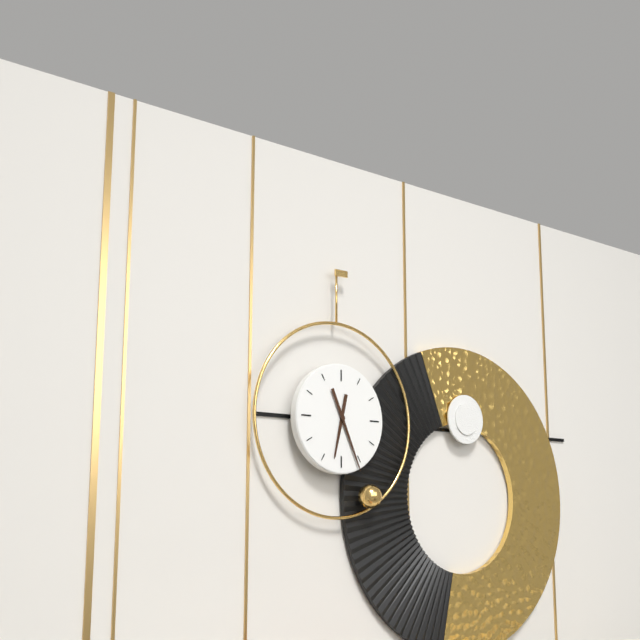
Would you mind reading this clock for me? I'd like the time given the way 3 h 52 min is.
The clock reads 6 h 26 min
